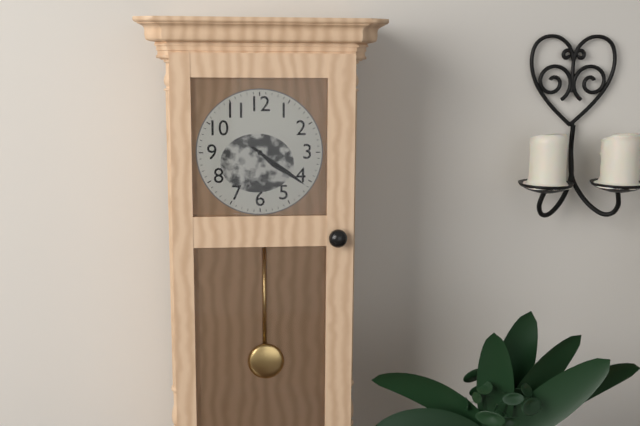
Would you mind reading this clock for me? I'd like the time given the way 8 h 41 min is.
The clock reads 4 h 21 min
